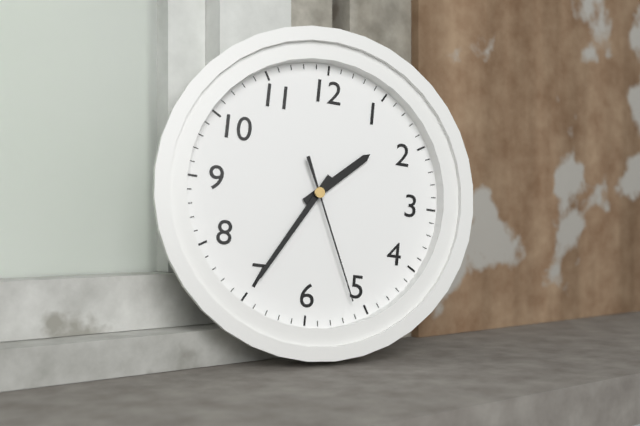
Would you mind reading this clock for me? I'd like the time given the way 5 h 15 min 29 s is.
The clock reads 1 h 35 min 26 s
